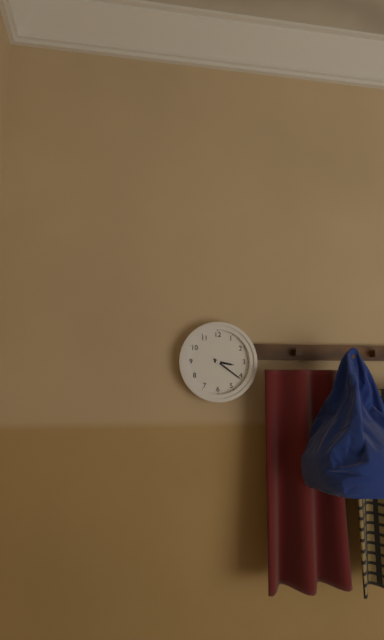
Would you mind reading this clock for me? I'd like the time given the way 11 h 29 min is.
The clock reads 3 h 21 min
